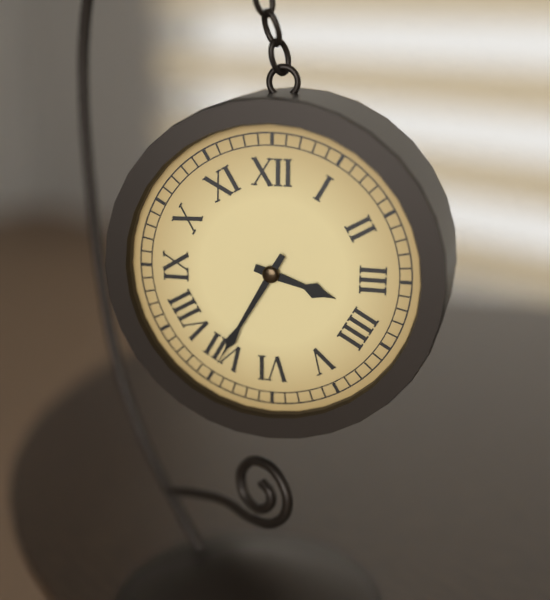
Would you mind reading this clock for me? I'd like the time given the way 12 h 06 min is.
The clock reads 3 h 35 min
